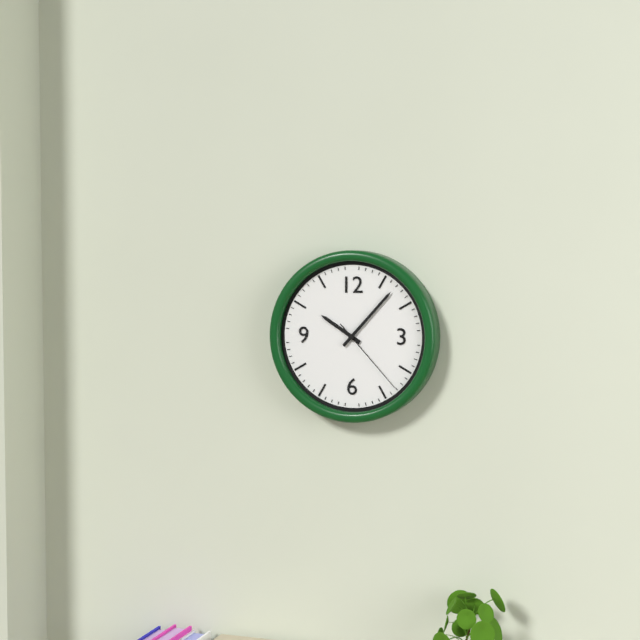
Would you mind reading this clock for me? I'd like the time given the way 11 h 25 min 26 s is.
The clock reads 10 h 07 min 23 s
